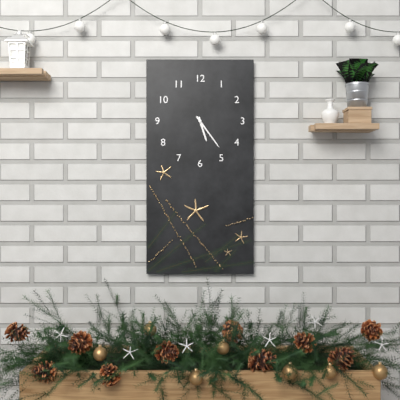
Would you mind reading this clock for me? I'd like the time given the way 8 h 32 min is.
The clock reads 5 h 24 min
